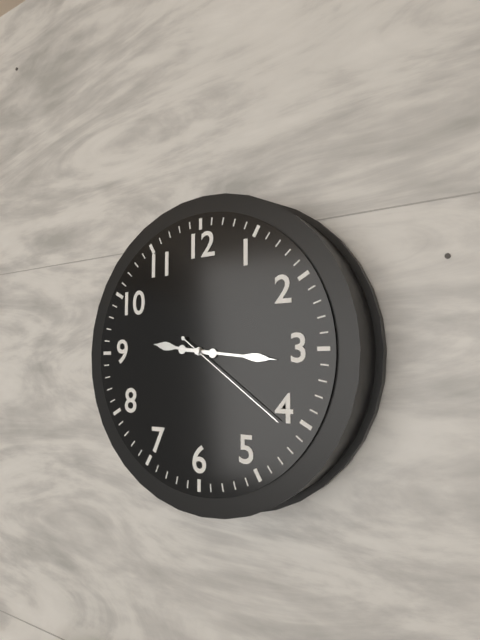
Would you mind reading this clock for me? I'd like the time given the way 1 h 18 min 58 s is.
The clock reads 9 h 16 min 21 s
